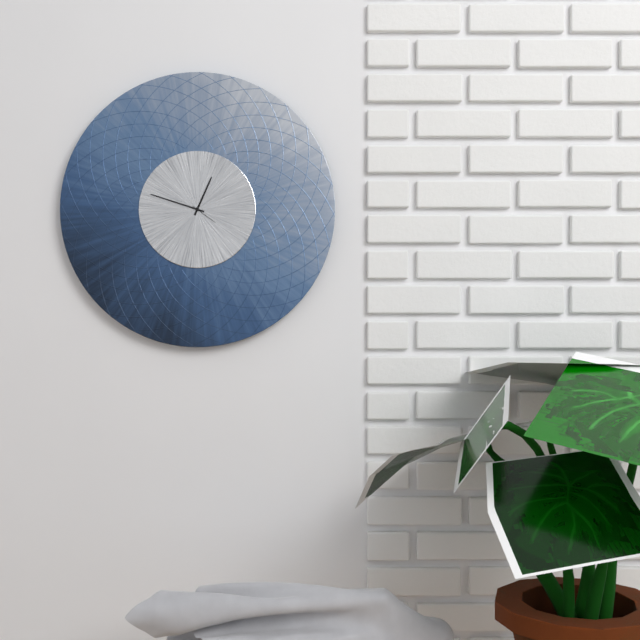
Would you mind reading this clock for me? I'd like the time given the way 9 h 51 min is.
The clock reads 12 h 48 min
